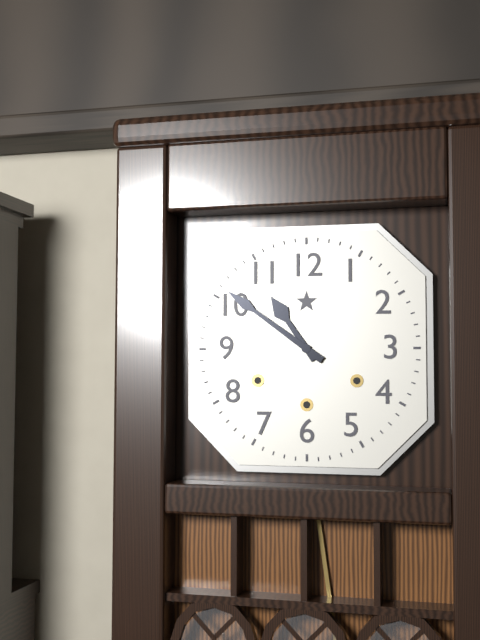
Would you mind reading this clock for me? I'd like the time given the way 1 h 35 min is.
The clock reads 10 h 51 min
